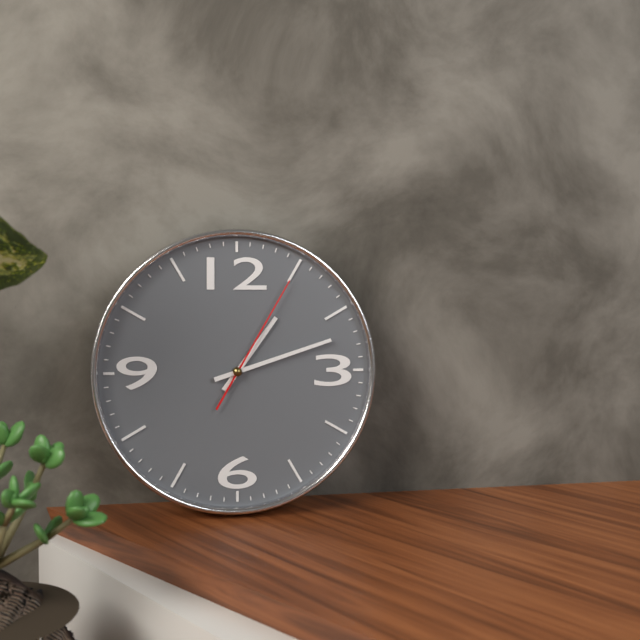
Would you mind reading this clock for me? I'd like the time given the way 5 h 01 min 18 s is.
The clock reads 1 h 12 min 05 s
